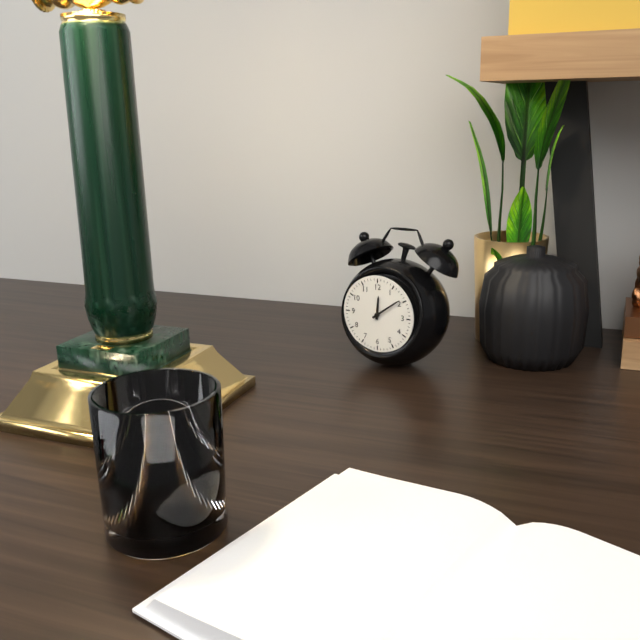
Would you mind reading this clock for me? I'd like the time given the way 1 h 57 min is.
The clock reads 12 h 09 min
